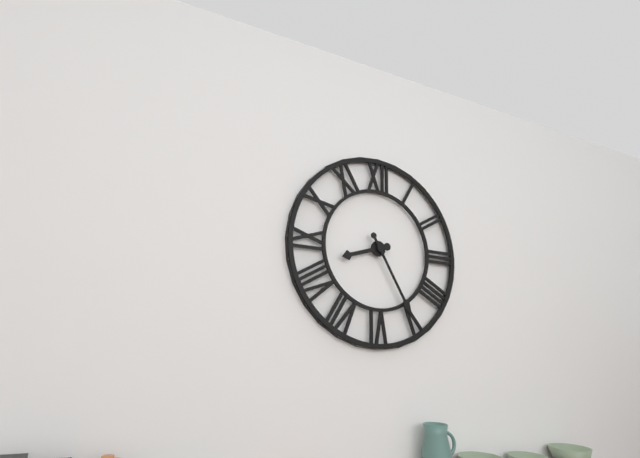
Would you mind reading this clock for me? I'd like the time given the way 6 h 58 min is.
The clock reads 8 h 25 min
